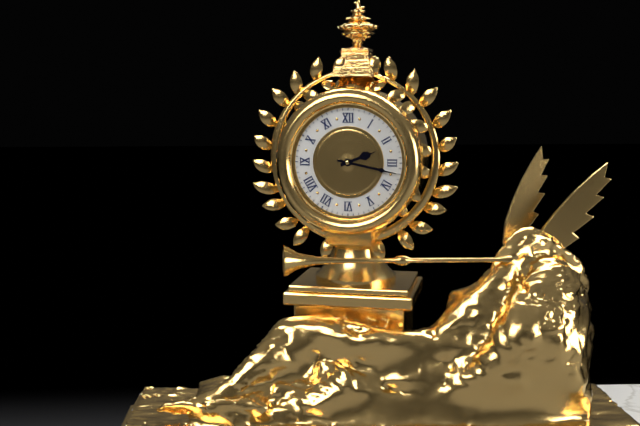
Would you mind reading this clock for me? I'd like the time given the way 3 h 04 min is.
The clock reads 2 h 17 min
